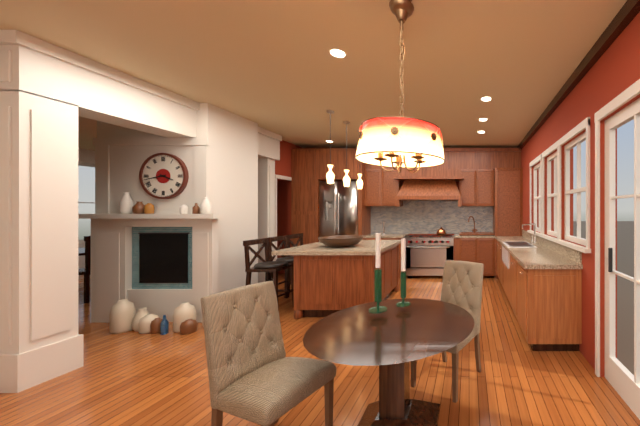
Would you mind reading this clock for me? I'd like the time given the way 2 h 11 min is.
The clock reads 3 h 43 min
